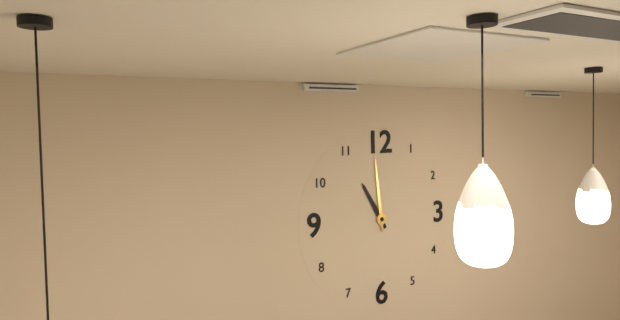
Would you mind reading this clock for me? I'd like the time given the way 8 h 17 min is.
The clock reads 10 h 59 min
